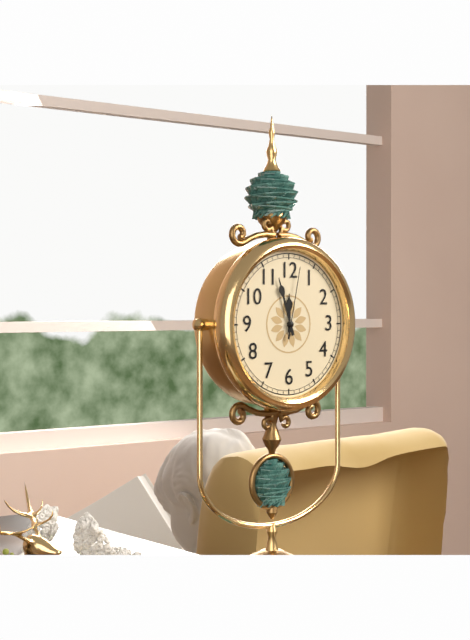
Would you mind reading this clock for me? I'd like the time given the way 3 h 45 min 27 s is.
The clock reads 11 h 57 min 02 s
